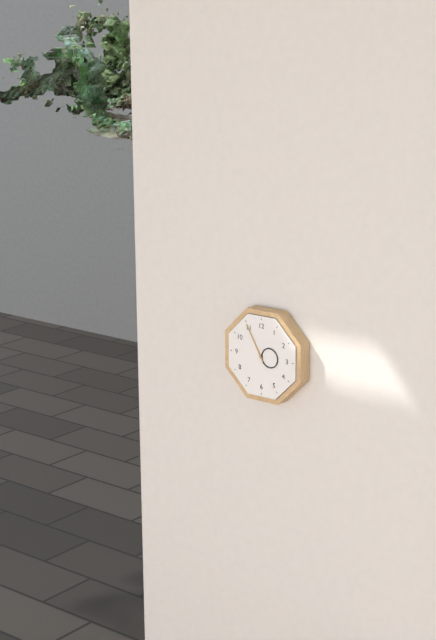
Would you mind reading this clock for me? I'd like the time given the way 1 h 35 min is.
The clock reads 2 h 55 min
